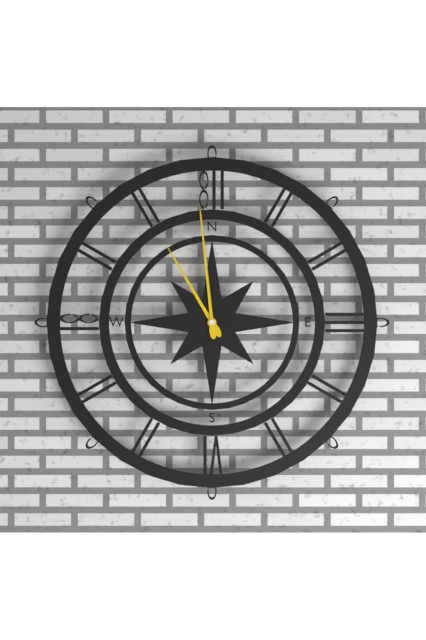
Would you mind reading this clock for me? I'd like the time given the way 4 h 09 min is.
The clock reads 10 h 59 min
